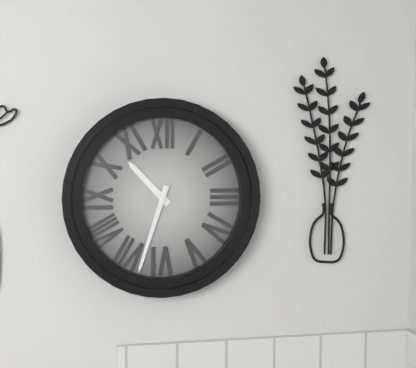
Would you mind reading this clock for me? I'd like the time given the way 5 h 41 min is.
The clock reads 10 h 33 min
